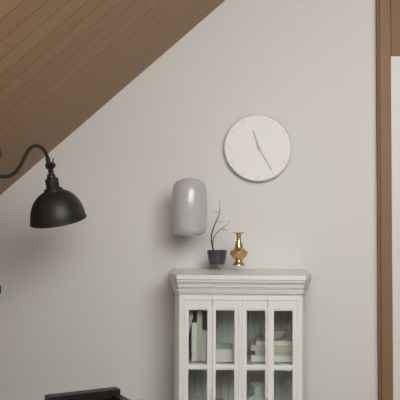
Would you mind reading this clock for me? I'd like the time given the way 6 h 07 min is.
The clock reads 11 h 25 min
